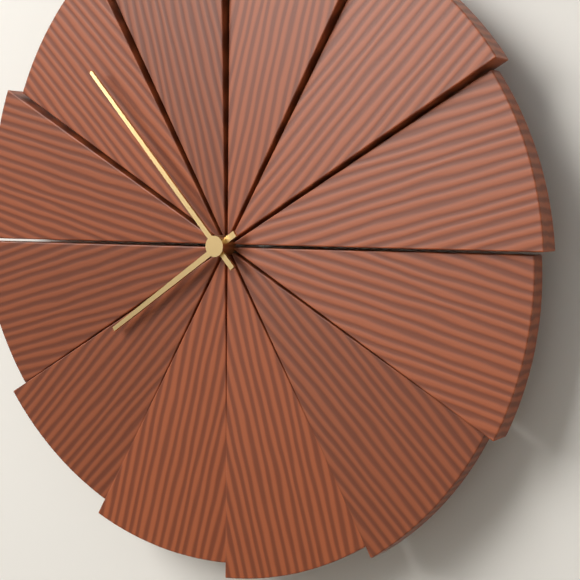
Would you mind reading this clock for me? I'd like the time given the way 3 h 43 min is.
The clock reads 7 h 53 min
